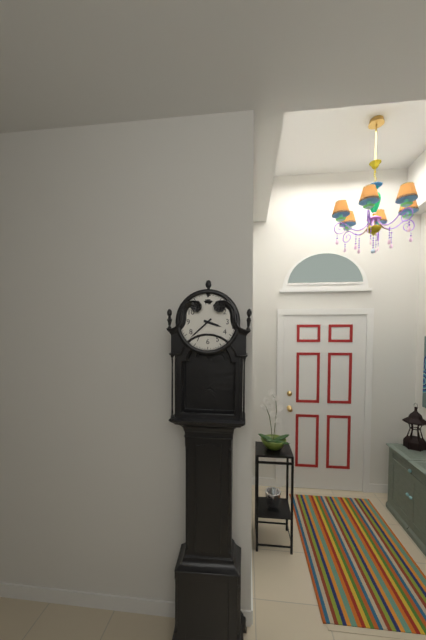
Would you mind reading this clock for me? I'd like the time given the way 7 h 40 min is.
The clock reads 3 h 38 min
